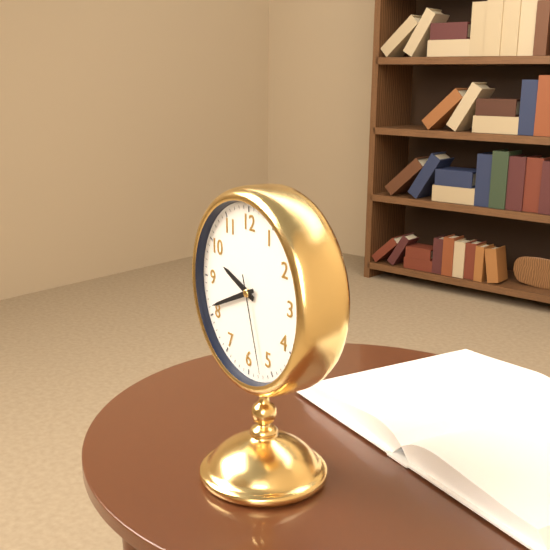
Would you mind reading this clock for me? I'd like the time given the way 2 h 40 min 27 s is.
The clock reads 9 h 41 min 27 s
